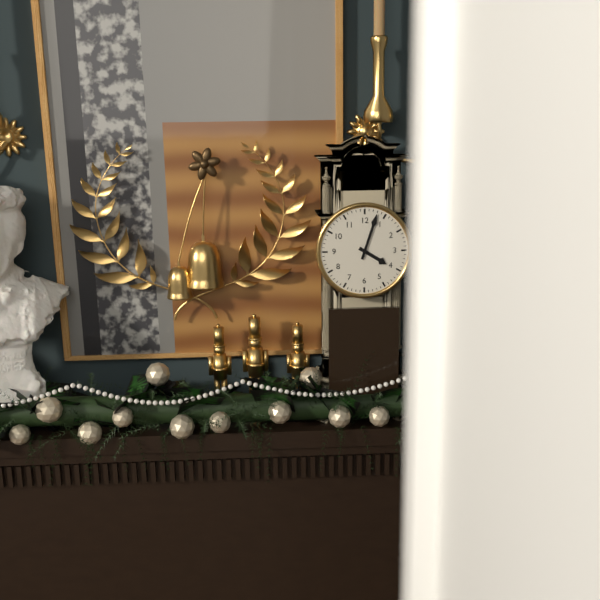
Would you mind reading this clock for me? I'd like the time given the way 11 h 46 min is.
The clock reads 4 h 03 min
